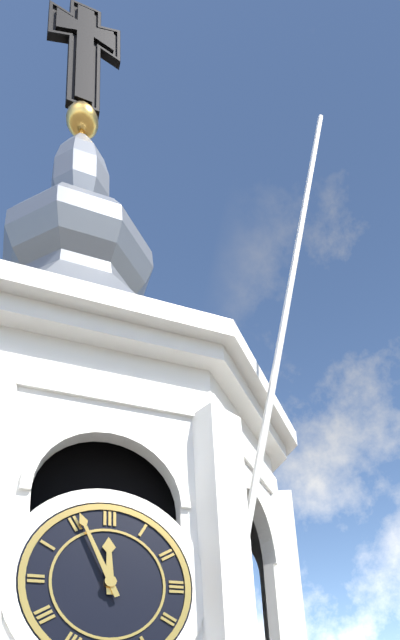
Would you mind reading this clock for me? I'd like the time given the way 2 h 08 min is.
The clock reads 11 h 56 min
